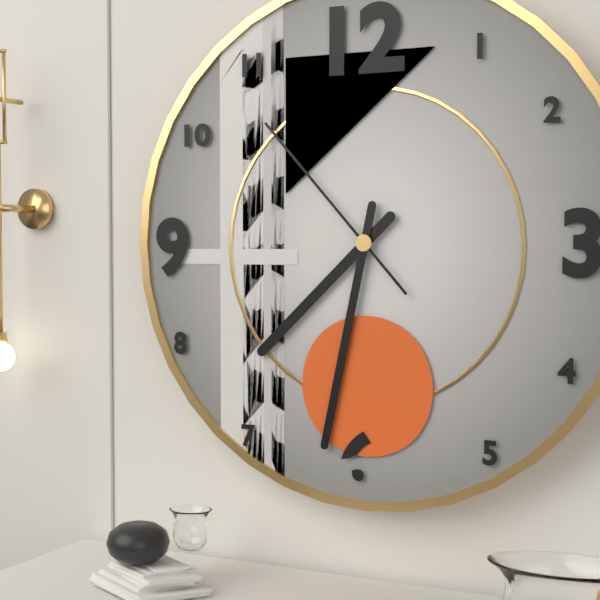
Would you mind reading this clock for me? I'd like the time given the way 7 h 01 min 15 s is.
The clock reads 7 h 32 min 53 s
